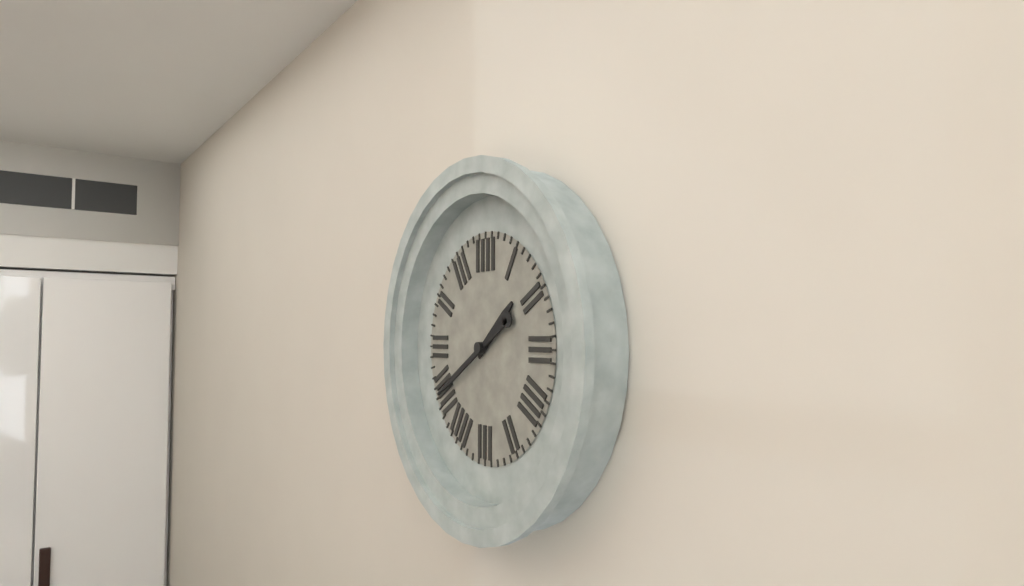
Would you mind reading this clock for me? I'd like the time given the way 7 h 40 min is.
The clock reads 1 h 40 min
